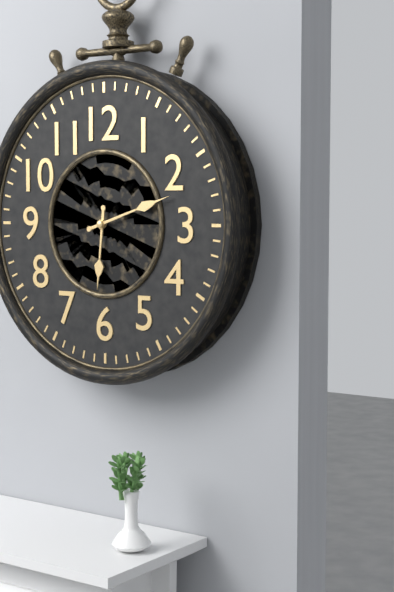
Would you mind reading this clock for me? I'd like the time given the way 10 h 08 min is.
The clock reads 6 h 12 min
